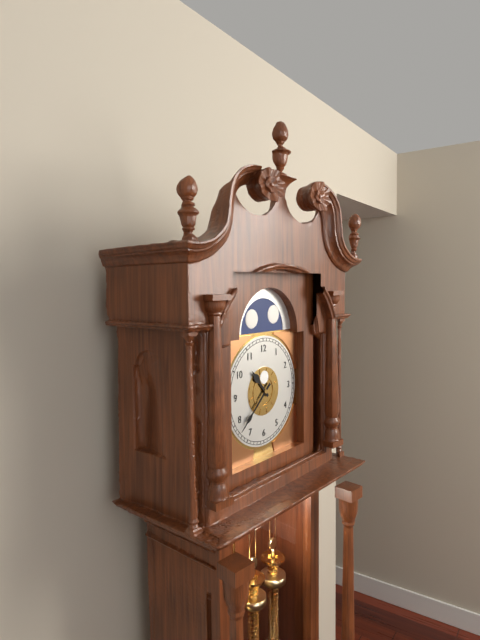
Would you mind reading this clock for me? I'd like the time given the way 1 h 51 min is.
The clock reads 10 h 38 min
